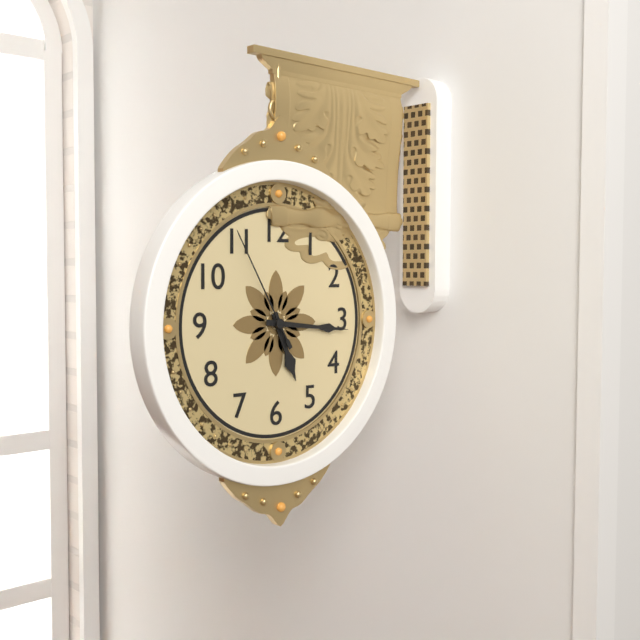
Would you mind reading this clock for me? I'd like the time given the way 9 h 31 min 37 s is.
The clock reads 5 h 16 min 55 s
